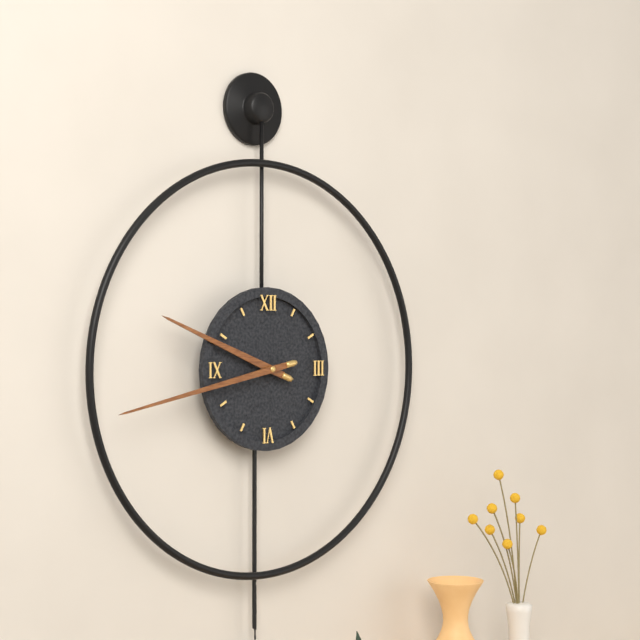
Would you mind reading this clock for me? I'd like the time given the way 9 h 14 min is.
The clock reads 9 h 43 min
